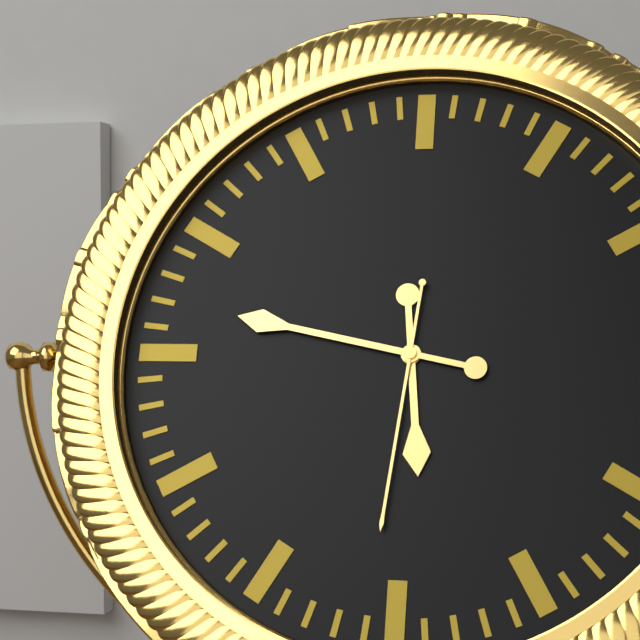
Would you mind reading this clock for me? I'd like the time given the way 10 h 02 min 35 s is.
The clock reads 5 h 47 min 31 s
